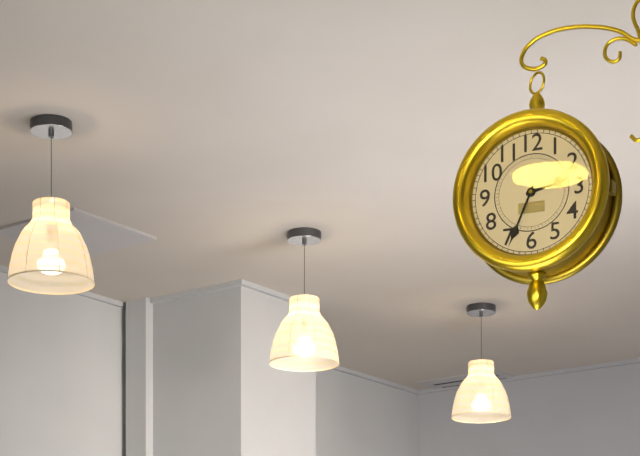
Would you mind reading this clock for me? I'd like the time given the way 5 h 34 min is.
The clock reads 2 h 34 min
